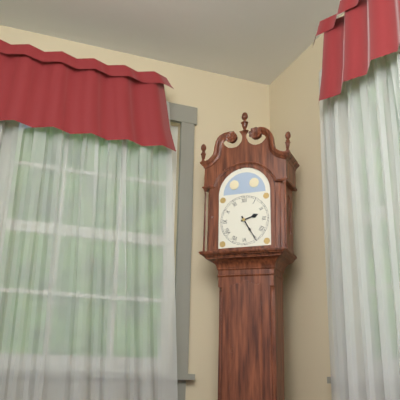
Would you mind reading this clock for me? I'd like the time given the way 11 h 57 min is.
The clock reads 2 h 25 min
